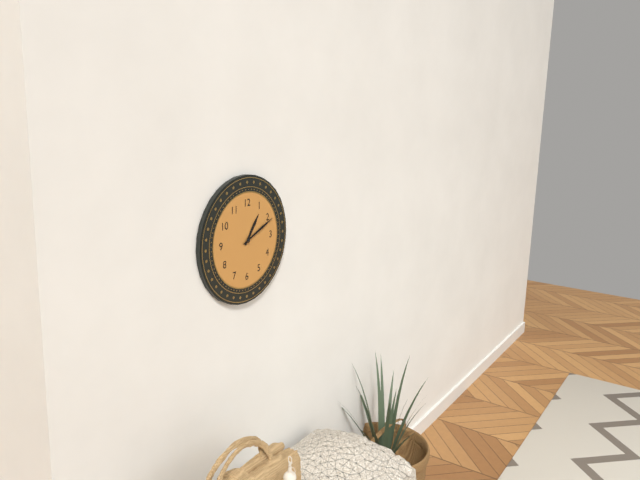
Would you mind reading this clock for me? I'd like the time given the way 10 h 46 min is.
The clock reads 1 h 11 min
